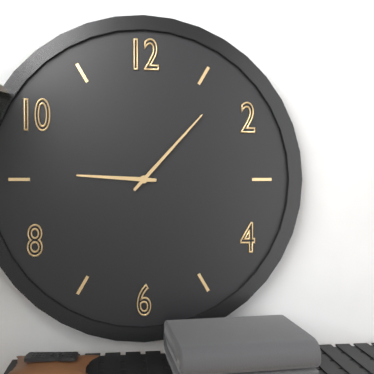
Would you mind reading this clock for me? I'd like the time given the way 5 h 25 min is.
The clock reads 9 h 07 min
